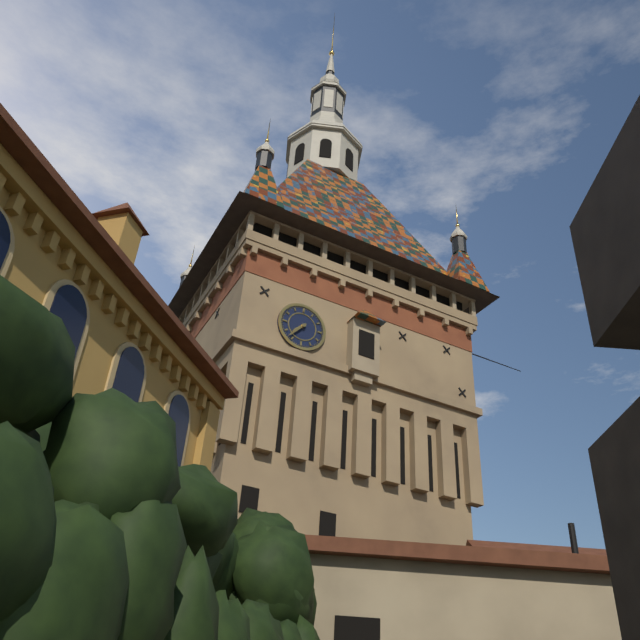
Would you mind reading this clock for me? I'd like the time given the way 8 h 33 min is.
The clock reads 7 h 37 min
